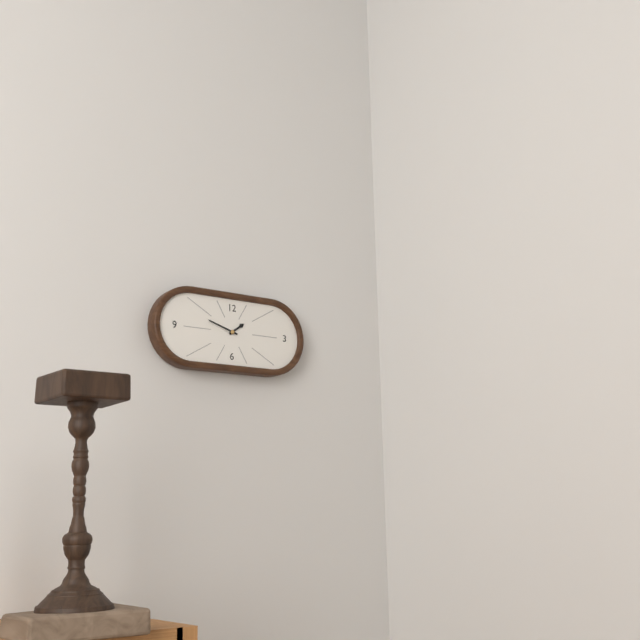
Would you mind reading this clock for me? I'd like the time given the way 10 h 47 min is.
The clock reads 1 h 48 min
